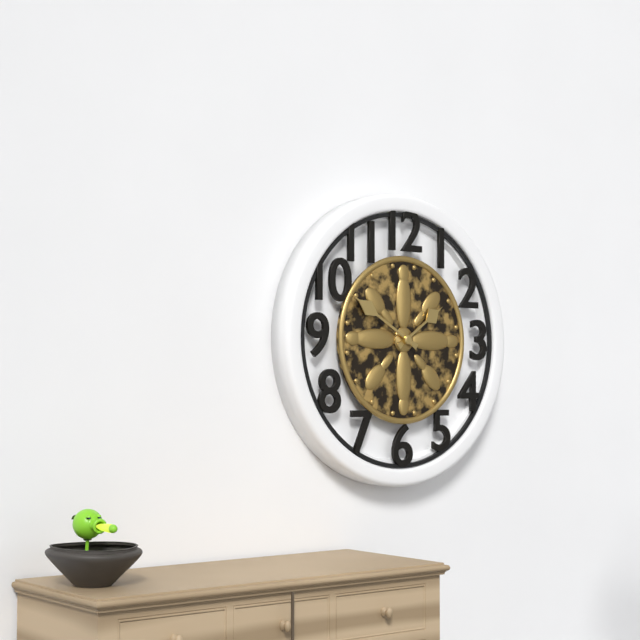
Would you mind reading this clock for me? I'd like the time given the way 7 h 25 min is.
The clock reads 1 h 50 min
